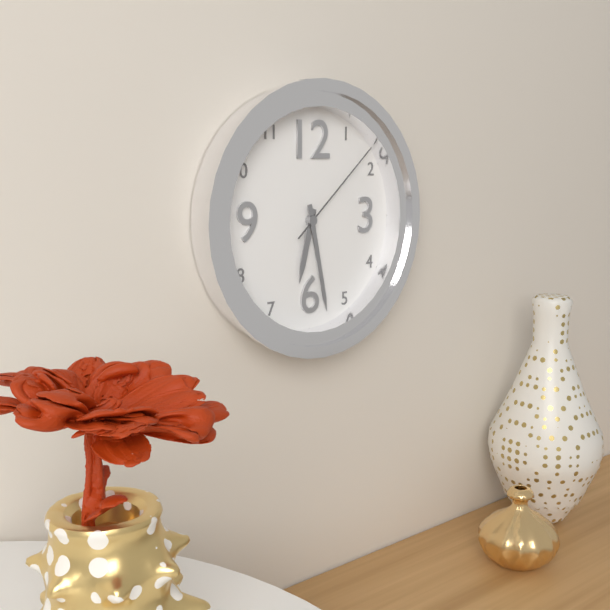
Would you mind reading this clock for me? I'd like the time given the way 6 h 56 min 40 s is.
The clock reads 6 h 28 min 08 s
